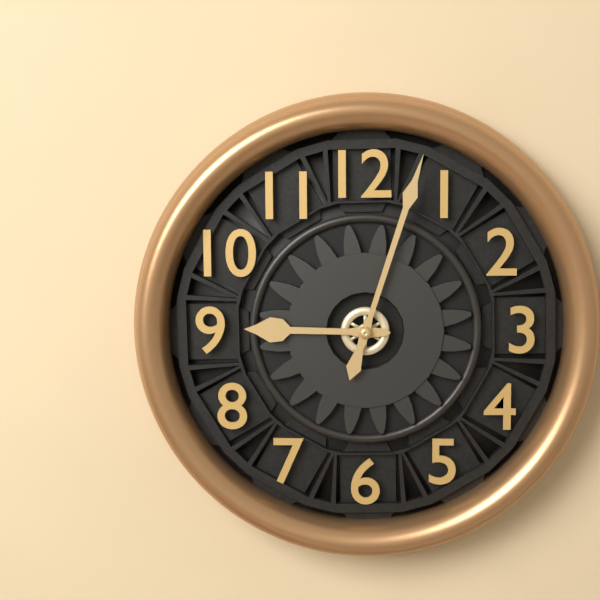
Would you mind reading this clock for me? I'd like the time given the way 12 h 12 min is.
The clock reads 9 h 03 min
